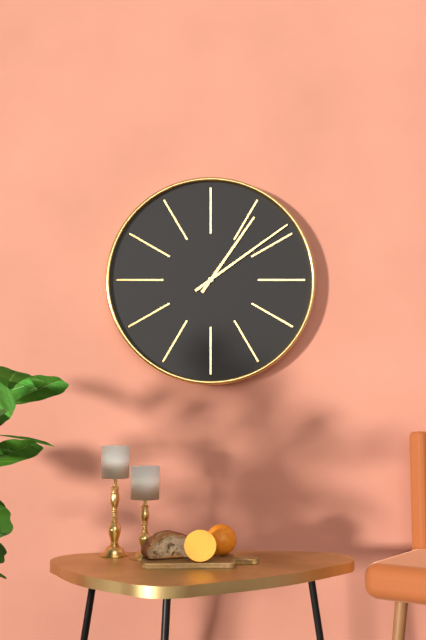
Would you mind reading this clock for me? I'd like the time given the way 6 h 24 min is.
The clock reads 1 h 09 min
